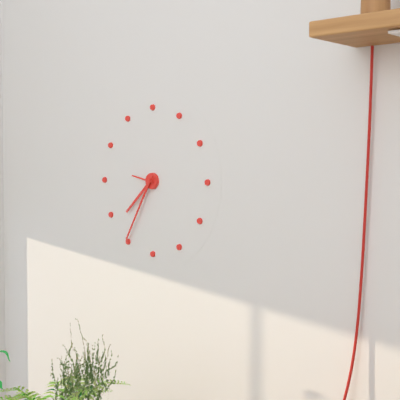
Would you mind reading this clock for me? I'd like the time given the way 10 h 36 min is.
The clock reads 7 h 35 min
